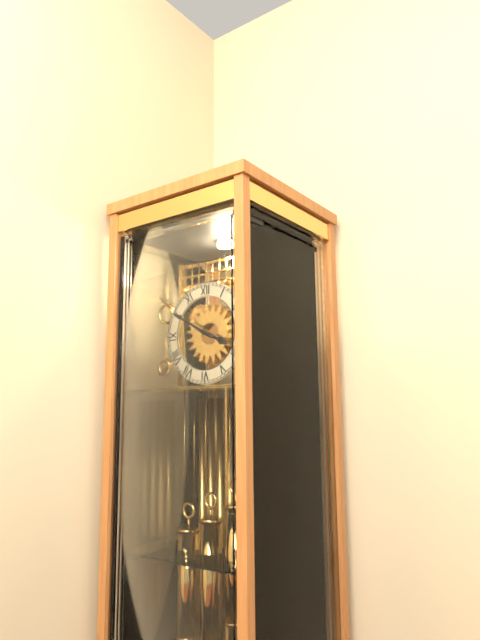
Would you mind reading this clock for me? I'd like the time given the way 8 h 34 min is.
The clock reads 3 h 50 min
